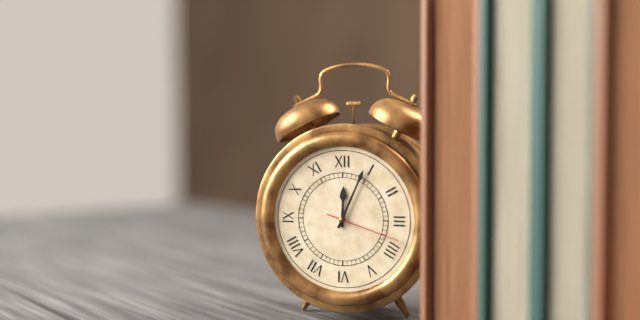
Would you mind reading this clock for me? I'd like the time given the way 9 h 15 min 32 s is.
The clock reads 12 h 04 min 18 s
